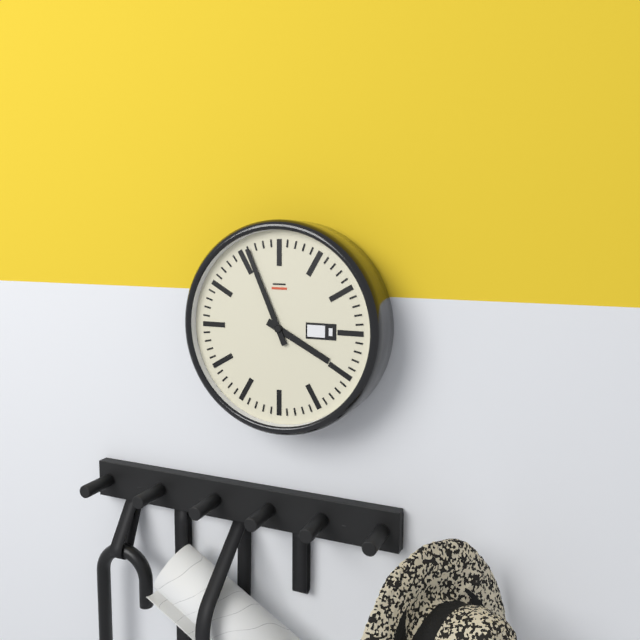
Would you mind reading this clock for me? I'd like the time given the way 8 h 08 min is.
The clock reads 3 h 56 min
